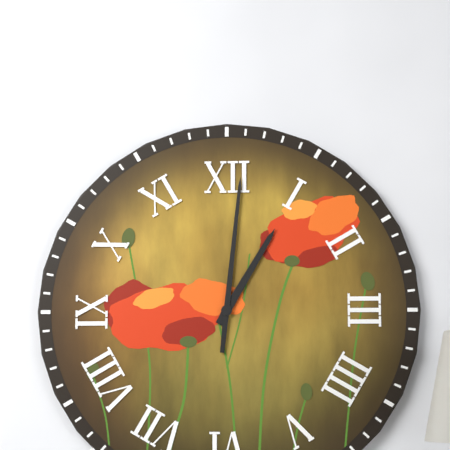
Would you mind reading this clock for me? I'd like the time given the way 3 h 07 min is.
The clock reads 1 h 01 min
